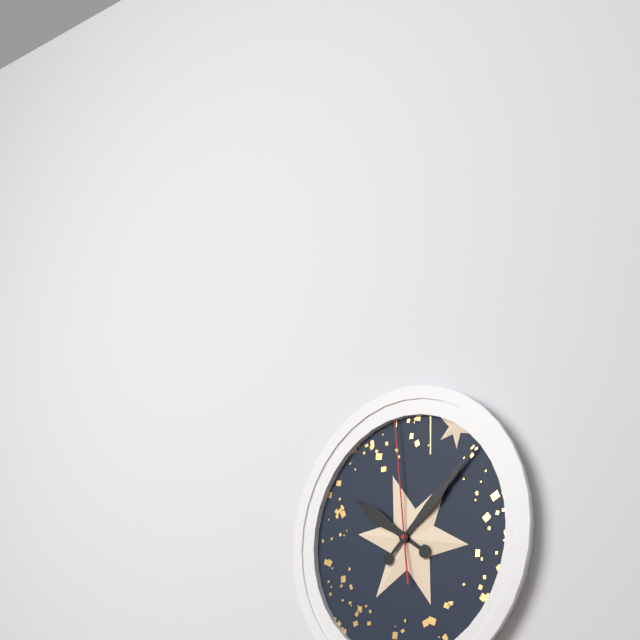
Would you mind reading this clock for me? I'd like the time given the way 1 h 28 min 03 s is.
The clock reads 10 h 08 min 59 s
